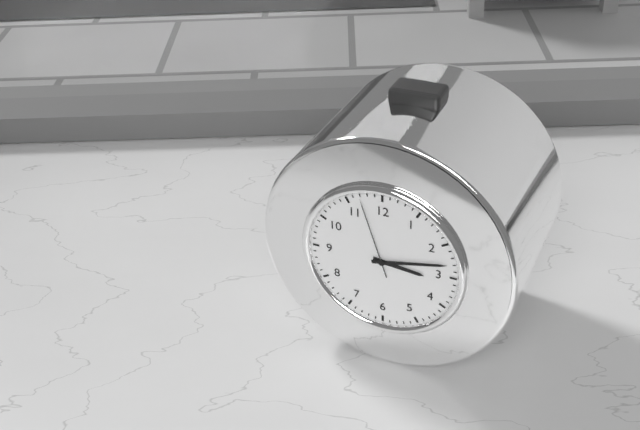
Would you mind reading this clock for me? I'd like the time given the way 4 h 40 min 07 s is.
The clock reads 3 h 13 min 57 s
